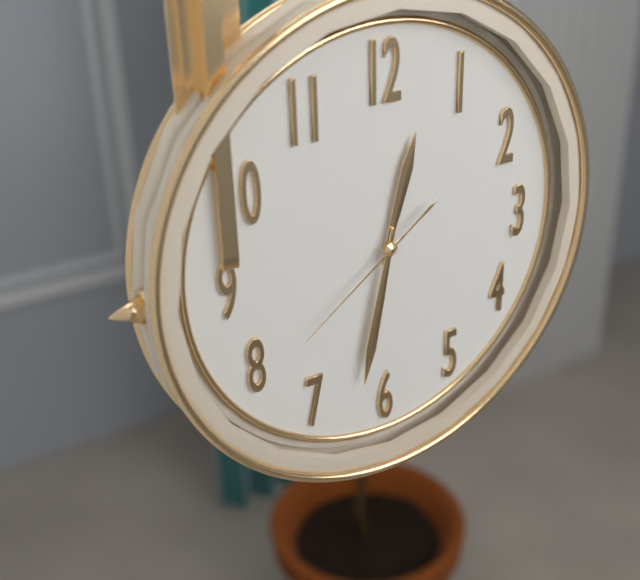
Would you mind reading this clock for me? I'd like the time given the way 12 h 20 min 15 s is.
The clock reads 12 h 32 min 39 s
